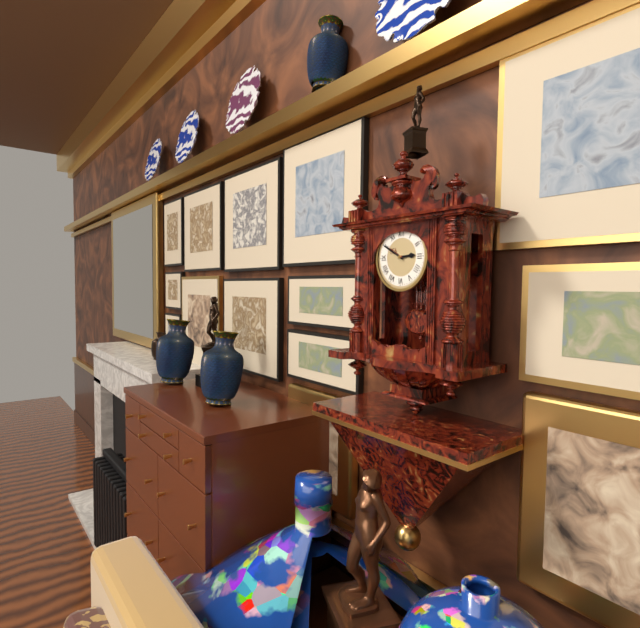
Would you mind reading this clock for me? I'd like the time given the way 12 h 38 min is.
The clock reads 2 h 50 min
